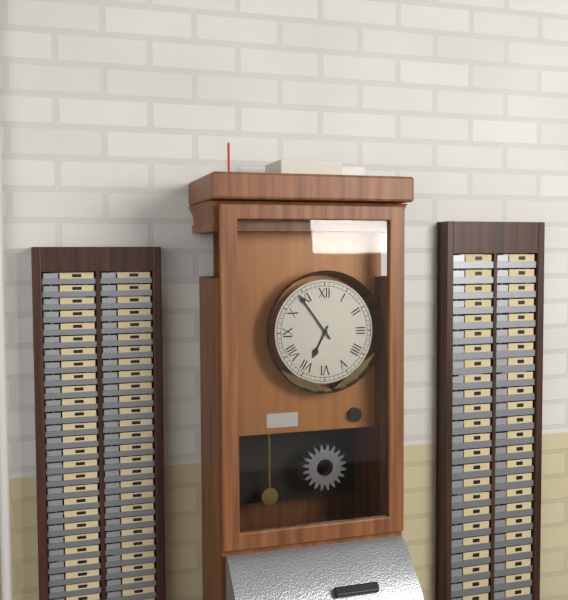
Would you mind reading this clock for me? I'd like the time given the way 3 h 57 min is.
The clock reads 6 h 54 min
